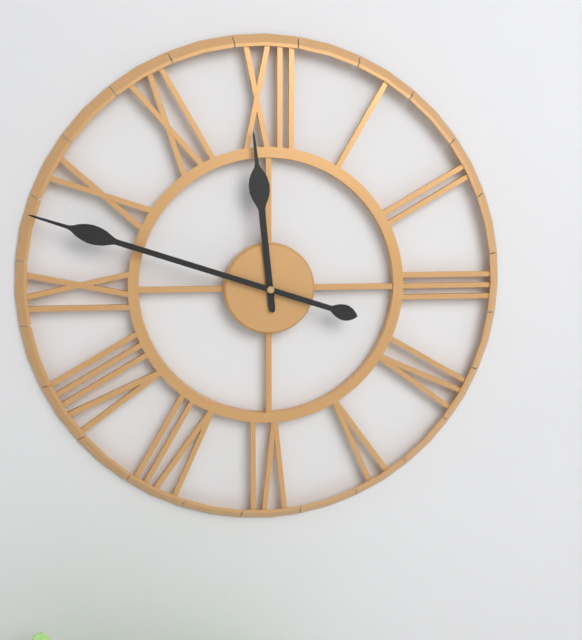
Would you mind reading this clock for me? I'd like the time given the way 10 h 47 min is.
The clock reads 11 h 48 min
